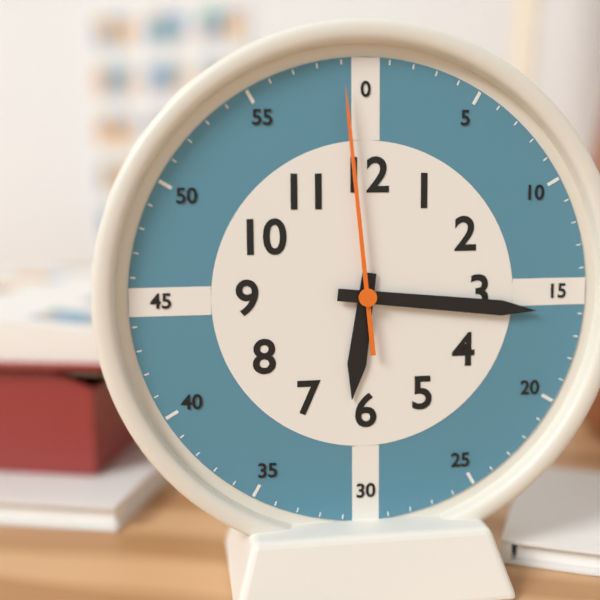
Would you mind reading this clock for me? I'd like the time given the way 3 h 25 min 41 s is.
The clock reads 6 h 16 min 59 s
